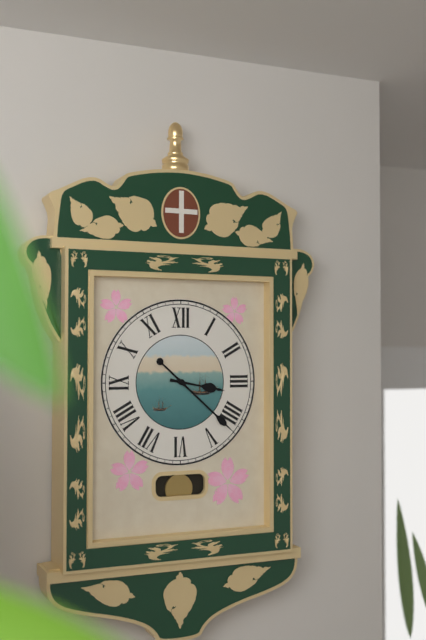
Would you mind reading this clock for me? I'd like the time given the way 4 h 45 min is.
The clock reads 3 h 22 min
